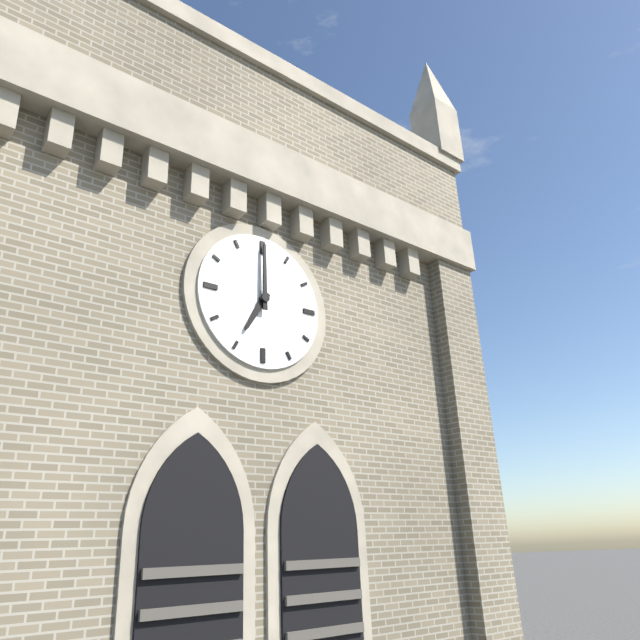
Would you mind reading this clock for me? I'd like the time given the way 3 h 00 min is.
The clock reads 7 h 00 min
